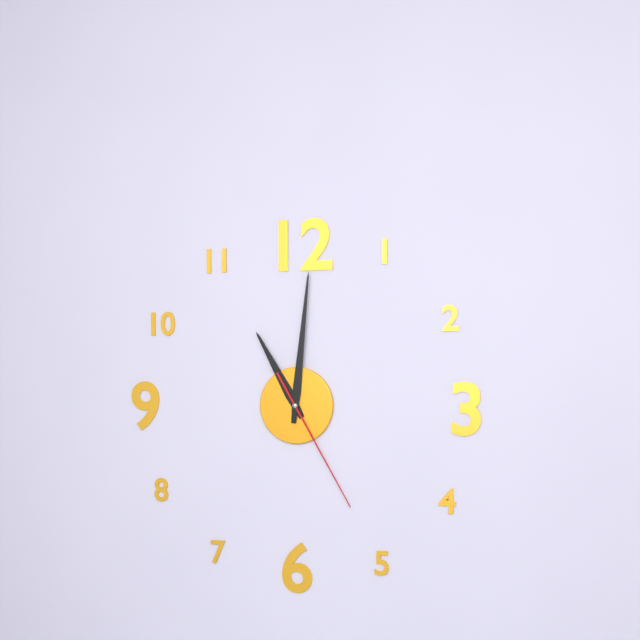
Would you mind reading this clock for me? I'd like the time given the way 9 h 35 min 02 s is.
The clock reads 11 h 01 min 25 s
